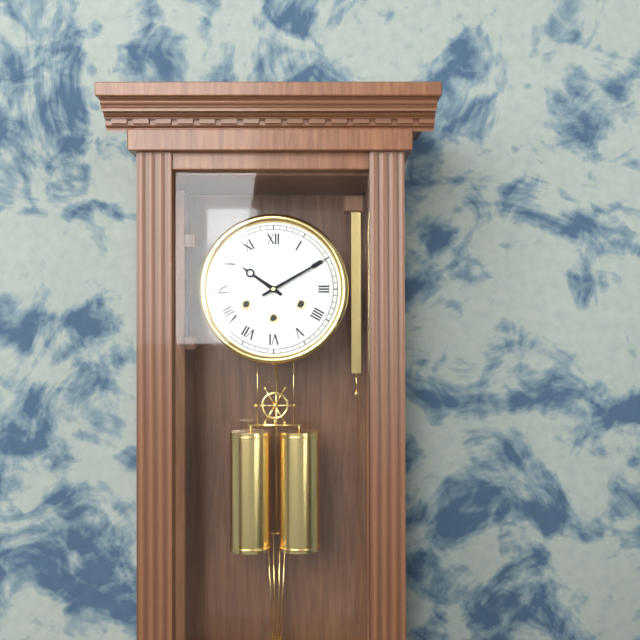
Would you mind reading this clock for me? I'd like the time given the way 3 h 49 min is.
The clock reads 10 h 10 min
